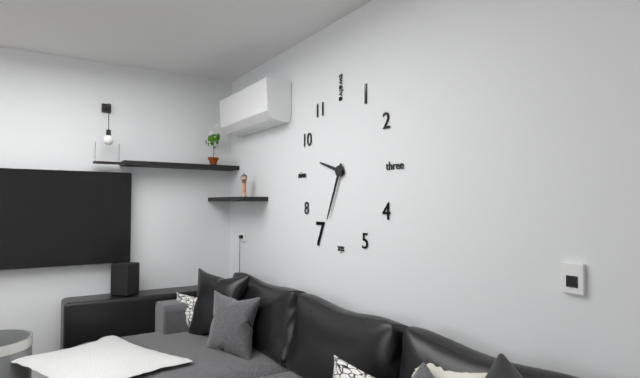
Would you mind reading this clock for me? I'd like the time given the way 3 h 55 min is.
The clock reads 9 h 34 min
